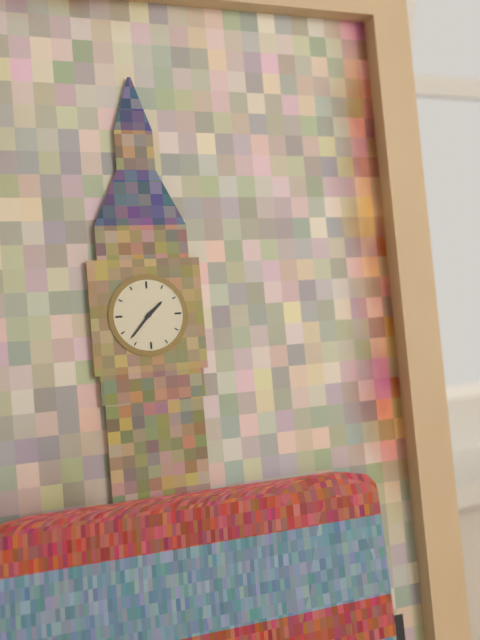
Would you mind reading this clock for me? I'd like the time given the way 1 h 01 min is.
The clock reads 1 h 37 min
